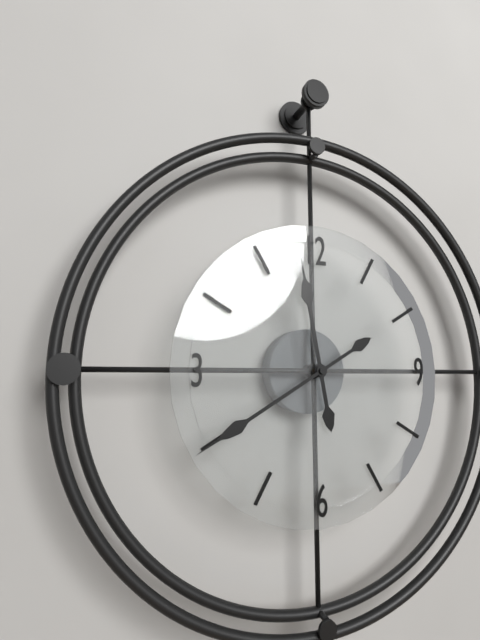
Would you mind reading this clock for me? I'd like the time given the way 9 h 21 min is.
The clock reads 11 h 40 min
